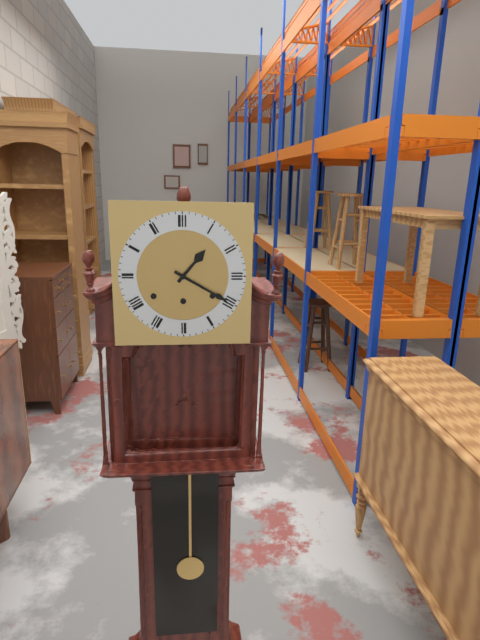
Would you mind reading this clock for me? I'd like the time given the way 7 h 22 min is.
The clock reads 1 h 20 min
